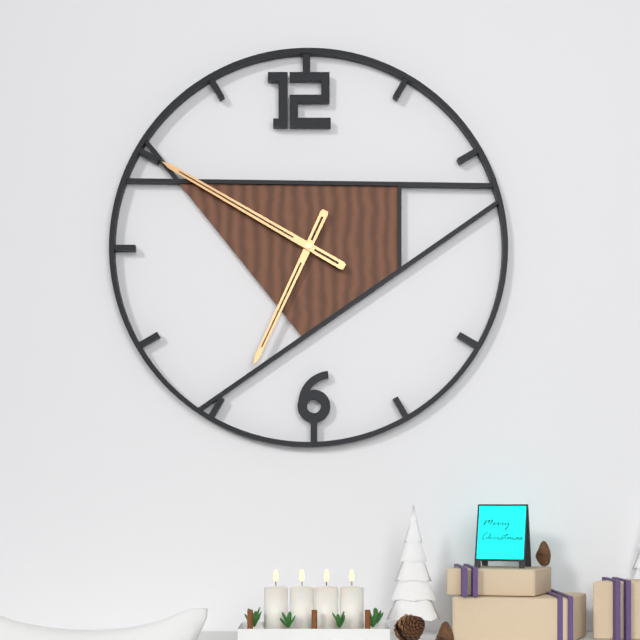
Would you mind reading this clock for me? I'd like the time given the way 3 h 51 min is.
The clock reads 6 h 50 min
